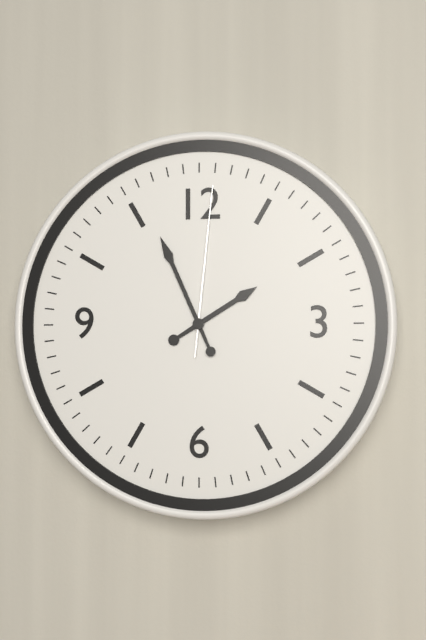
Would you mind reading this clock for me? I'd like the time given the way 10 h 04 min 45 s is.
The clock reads 1 h 56 min 01 s
